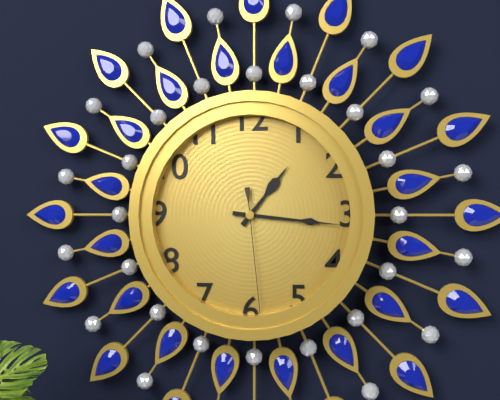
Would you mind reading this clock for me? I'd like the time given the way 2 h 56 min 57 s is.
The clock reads 1 h 16 min 29 s
